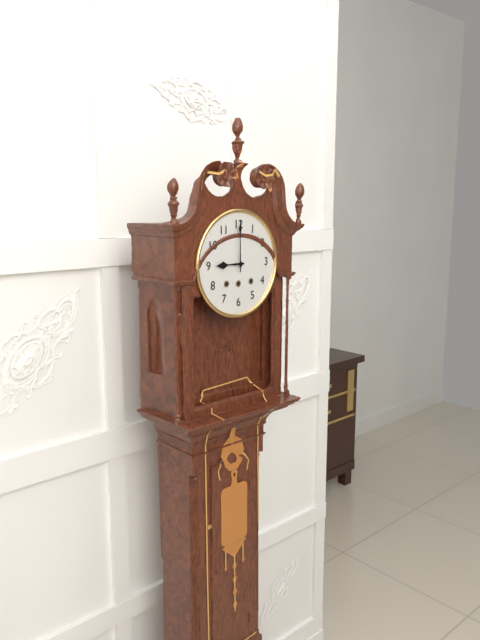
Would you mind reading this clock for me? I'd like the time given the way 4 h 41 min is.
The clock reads 9 h 00 min
